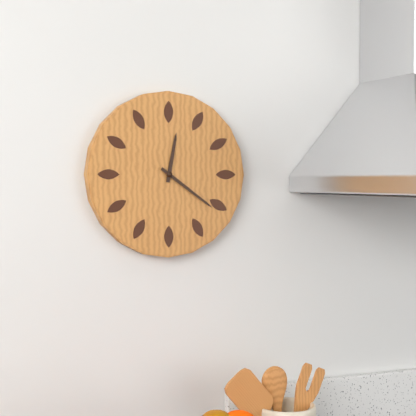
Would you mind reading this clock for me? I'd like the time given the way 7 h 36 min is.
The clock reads 12 h 21 min
